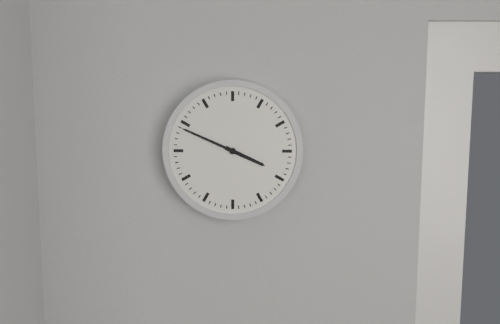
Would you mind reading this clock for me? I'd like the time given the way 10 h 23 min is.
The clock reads 3 h 49 min
